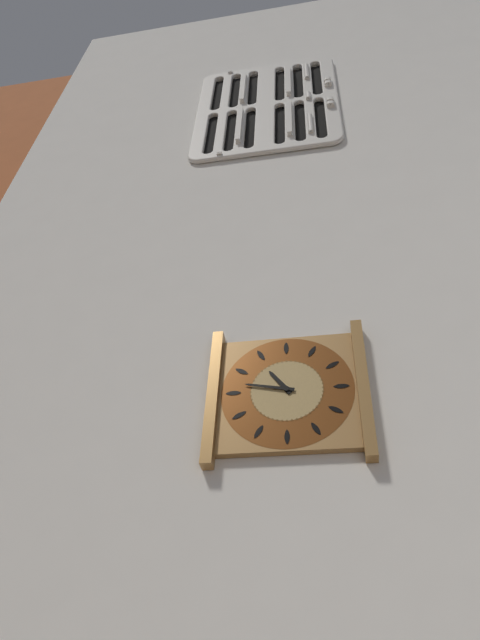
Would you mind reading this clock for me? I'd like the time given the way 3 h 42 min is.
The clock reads 10 h 47 min
